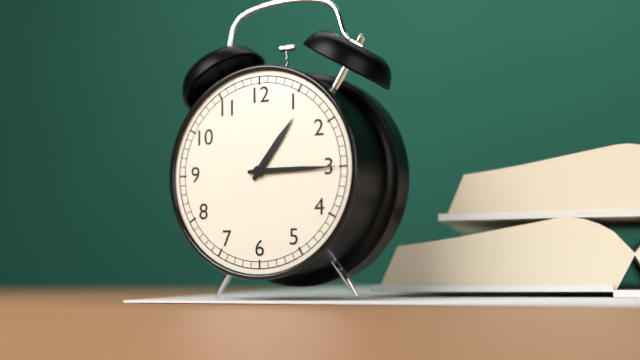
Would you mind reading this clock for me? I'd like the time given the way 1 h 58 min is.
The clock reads 1 h 15 min
